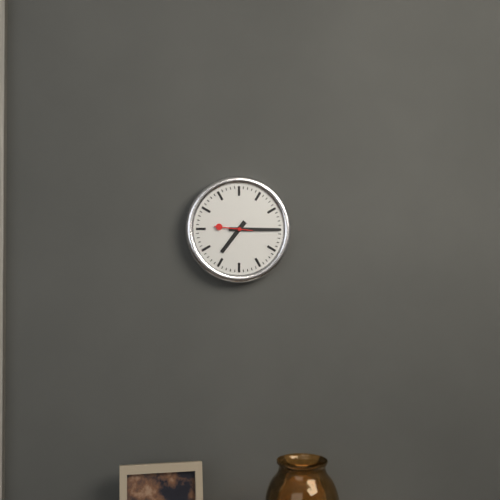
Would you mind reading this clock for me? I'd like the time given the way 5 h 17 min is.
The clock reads 7 h 15 min
